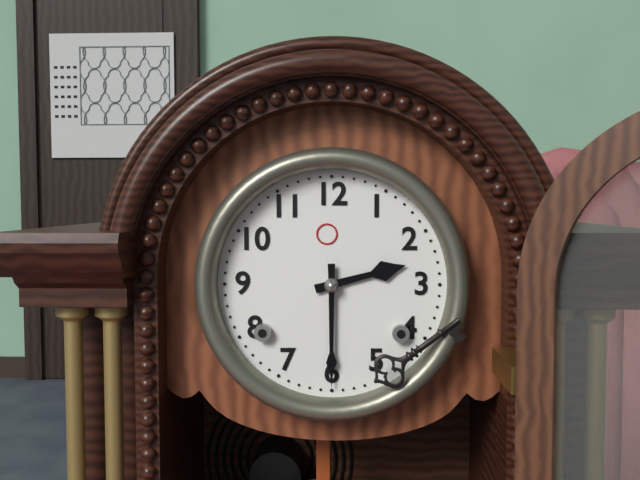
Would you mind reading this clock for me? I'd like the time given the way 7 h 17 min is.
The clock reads 2 h 30 min
